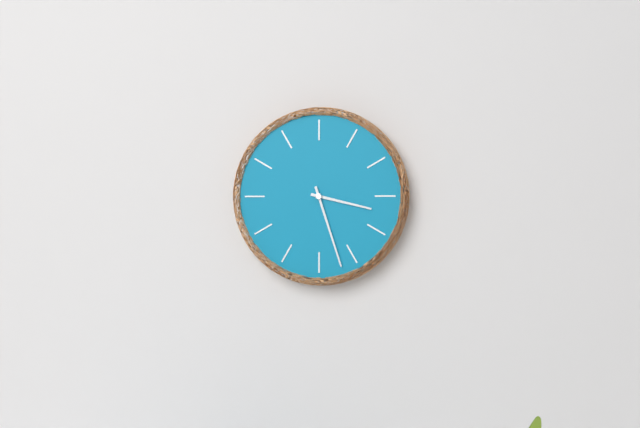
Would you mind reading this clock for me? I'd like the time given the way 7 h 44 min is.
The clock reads 3 h 27 min
